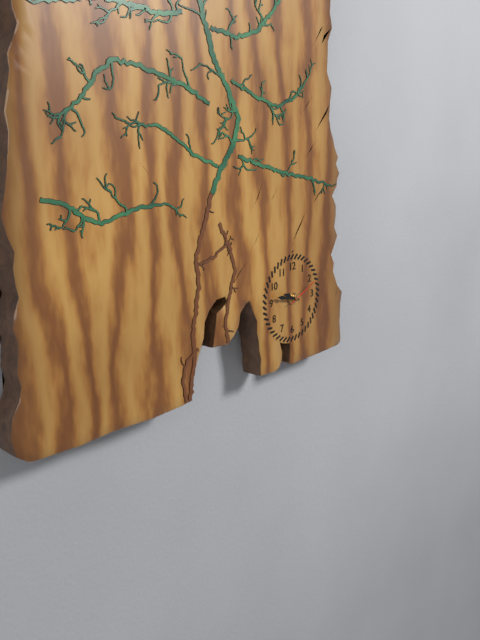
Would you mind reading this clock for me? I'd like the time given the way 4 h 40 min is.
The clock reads 9 h 47 min
